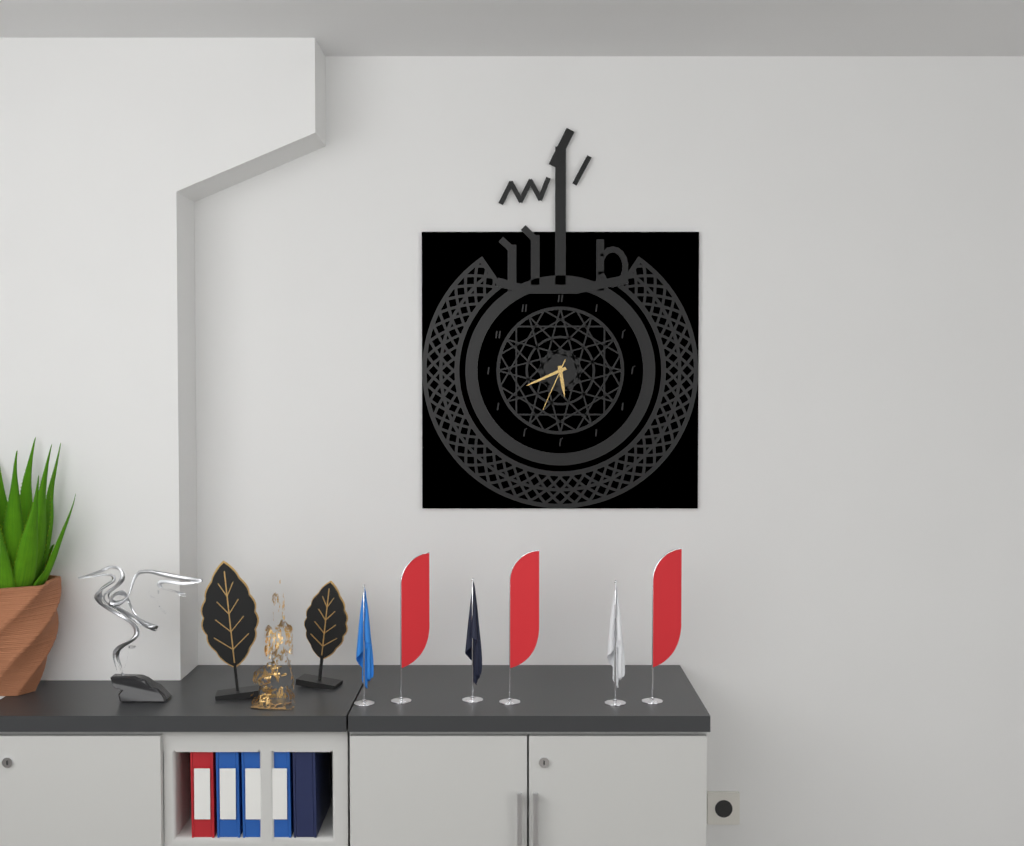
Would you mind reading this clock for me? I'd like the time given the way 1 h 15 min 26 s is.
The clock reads 5 h 41 min 34 s
